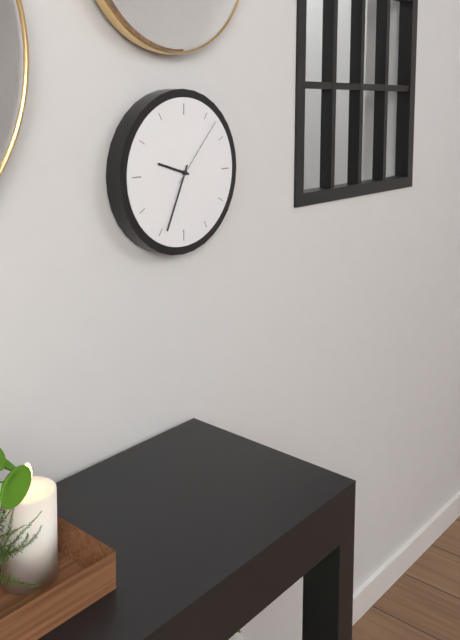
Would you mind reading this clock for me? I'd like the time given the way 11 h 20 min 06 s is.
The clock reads 9 h 34 min 07 s
